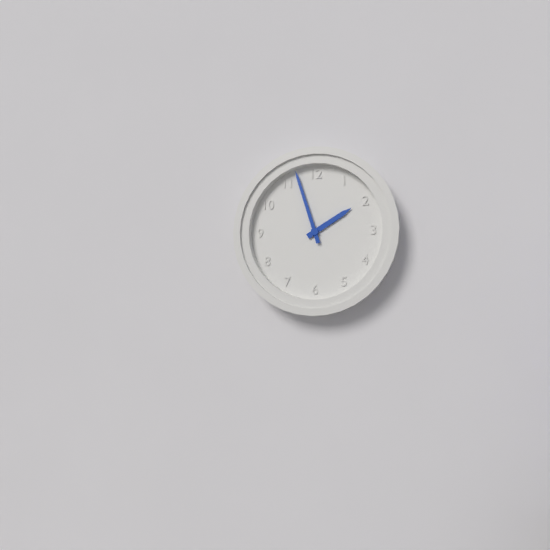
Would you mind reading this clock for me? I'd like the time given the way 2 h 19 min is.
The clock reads 1 h 57 min
